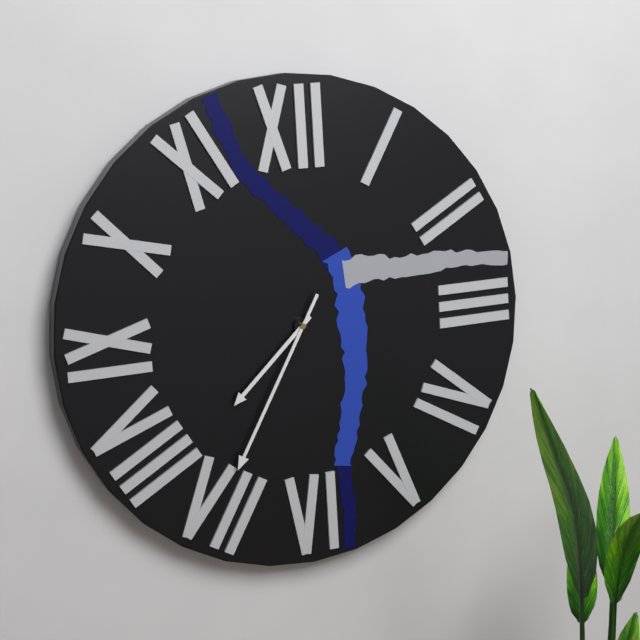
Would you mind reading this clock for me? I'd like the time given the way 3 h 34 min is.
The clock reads 7 h 35 min
